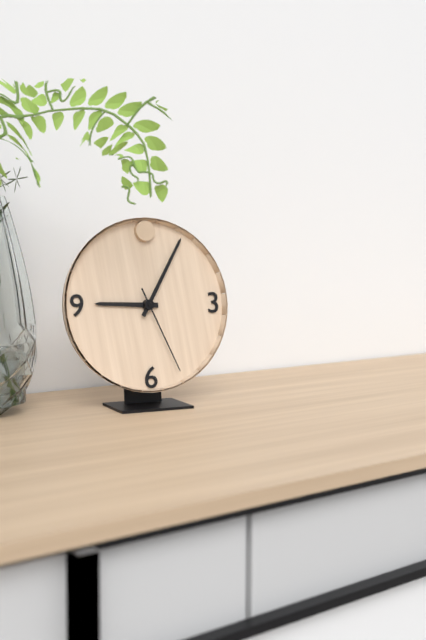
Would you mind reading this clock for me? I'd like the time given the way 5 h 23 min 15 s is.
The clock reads 9 h 05 min 26 s
